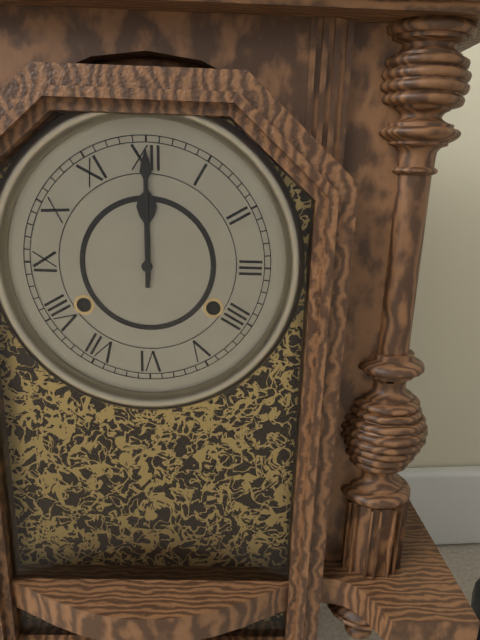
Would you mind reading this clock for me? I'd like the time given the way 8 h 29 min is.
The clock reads 12 h 00 min
